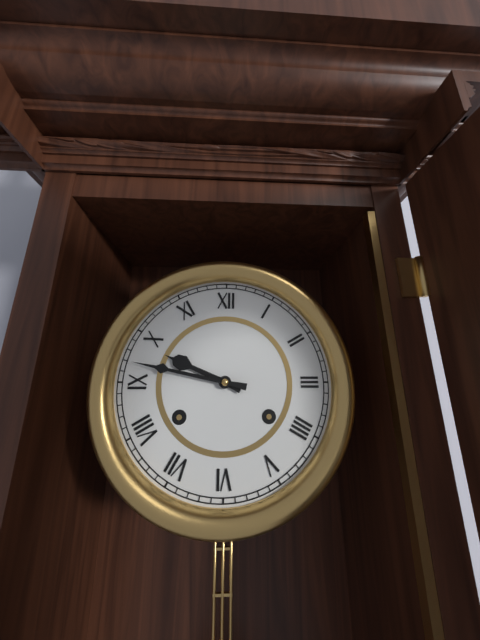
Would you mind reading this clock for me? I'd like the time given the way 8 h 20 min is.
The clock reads 9 h 47 min
